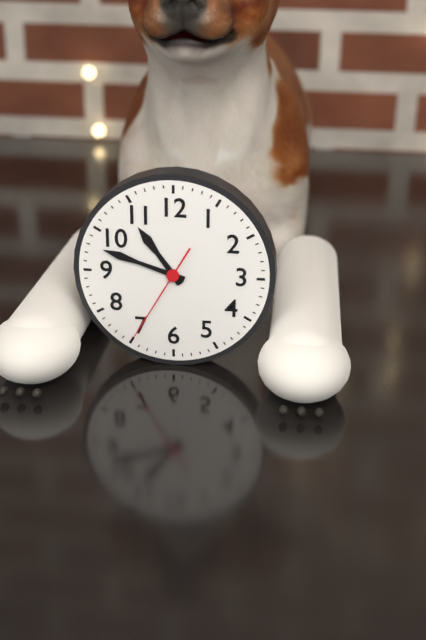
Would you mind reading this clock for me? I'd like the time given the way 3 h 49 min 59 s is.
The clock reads 10 h 48 min 35 s
